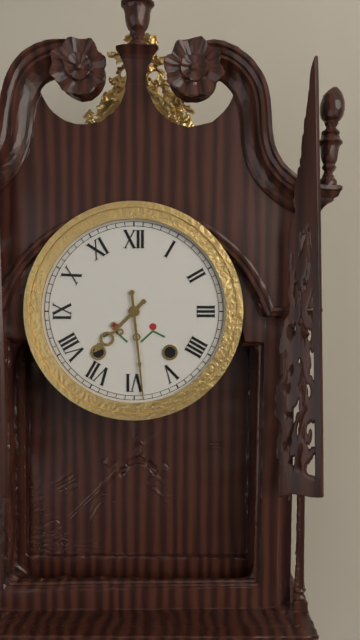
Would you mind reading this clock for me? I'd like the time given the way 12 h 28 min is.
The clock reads 7 h 29 min
